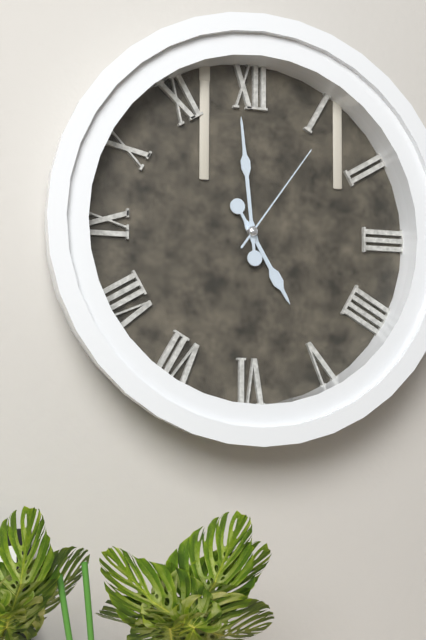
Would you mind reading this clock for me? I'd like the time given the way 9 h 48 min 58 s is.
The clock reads 4 h 59 min 06 s
